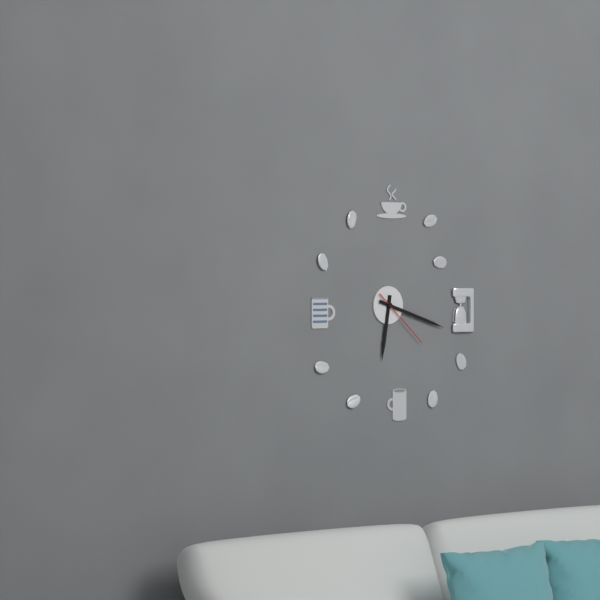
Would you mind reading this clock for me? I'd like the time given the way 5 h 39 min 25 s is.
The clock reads 6 h 18 min 22 s
